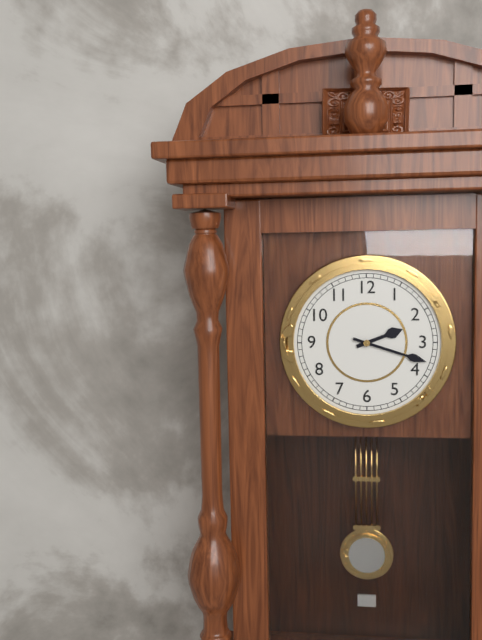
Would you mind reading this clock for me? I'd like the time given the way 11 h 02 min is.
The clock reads 2 h 18 min
